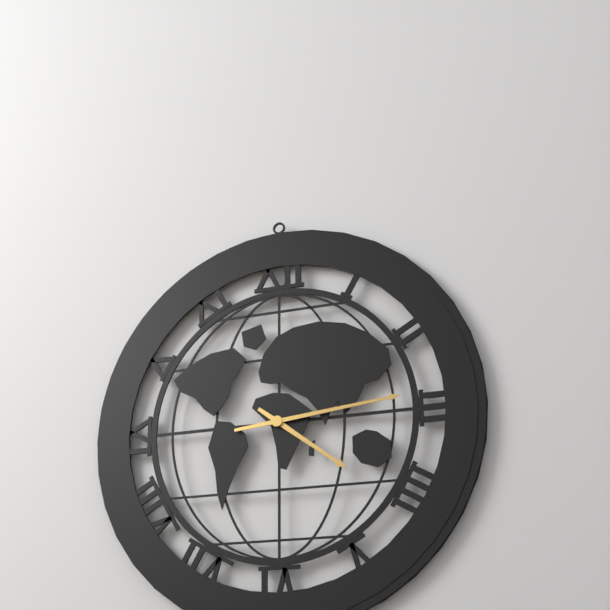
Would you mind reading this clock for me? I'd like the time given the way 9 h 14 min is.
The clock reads 4 h 14 min
